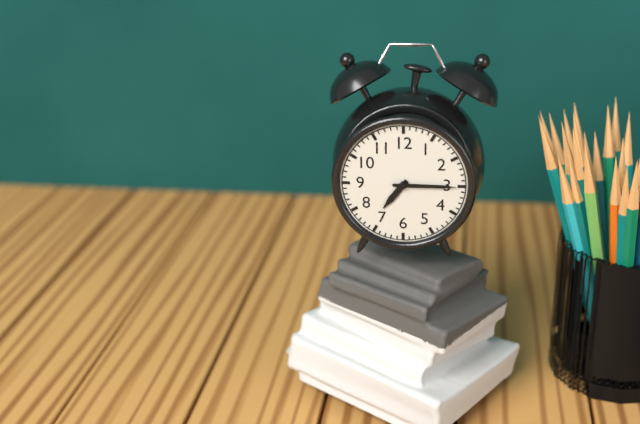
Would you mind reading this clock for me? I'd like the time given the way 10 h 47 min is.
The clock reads 7 h 15 min
